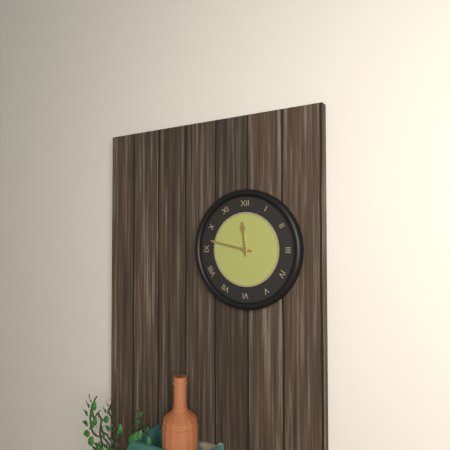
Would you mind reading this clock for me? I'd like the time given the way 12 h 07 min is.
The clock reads 11 h 47 min
